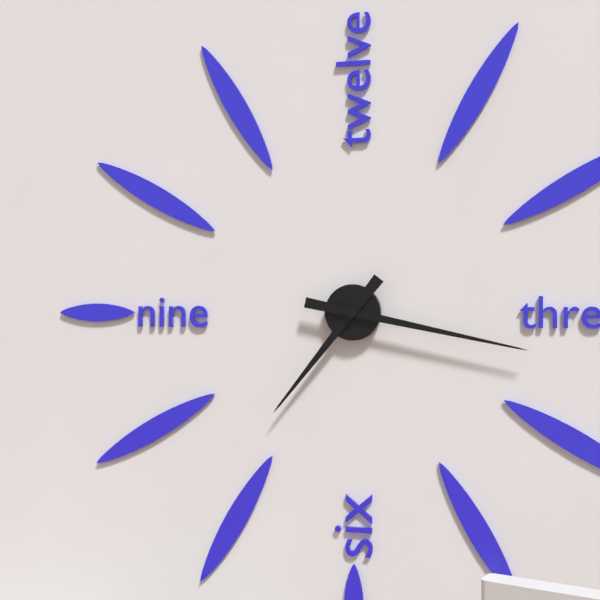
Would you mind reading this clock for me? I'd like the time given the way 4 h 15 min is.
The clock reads 7 h 17 min
